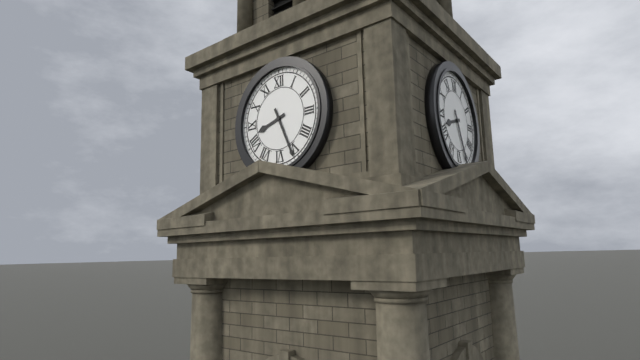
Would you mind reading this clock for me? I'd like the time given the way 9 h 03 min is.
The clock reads 8 h 26 min
